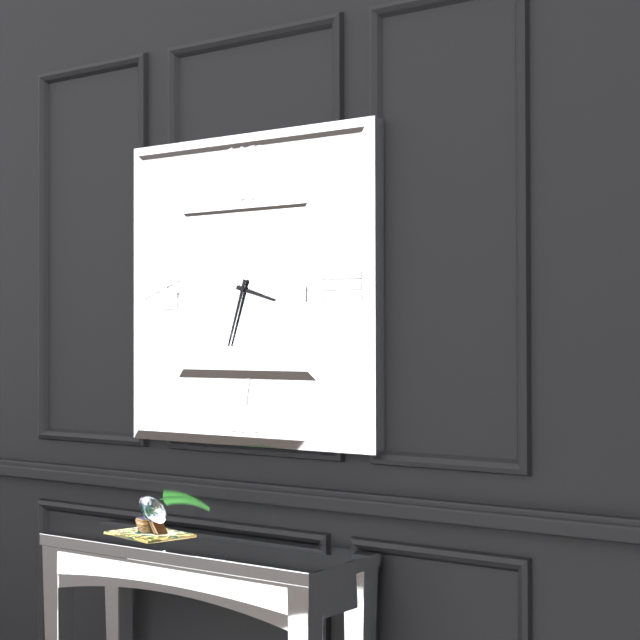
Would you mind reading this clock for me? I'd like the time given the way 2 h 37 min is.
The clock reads 3 h 33 min
